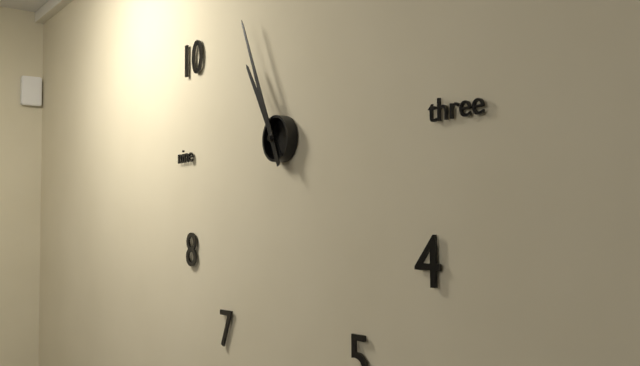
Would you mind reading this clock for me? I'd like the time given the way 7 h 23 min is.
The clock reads 10 h 56 min
